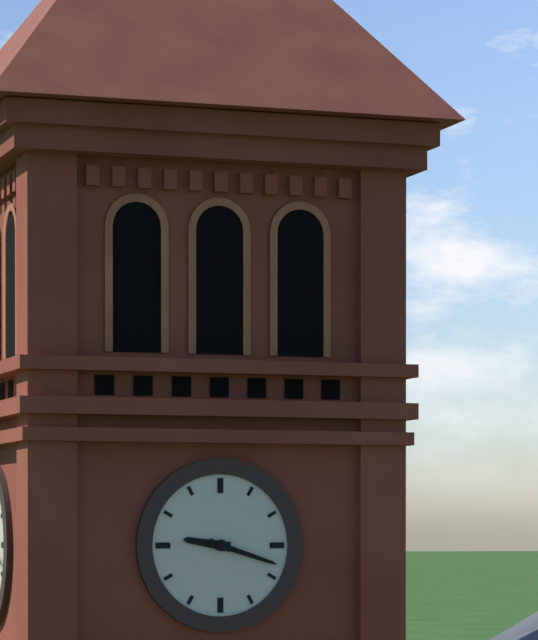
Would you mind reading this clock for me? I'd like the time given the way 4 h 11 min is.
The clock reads 9 h 18 min
